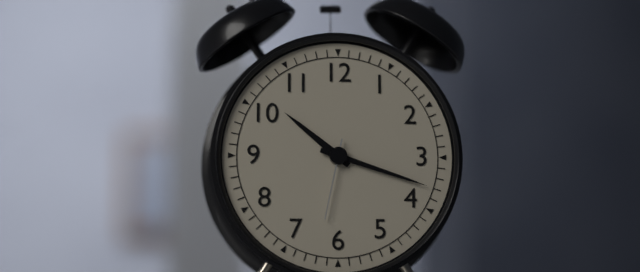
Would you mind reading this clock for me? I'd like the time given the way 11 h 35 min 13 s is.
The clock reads 10 h 18 min 32 s
